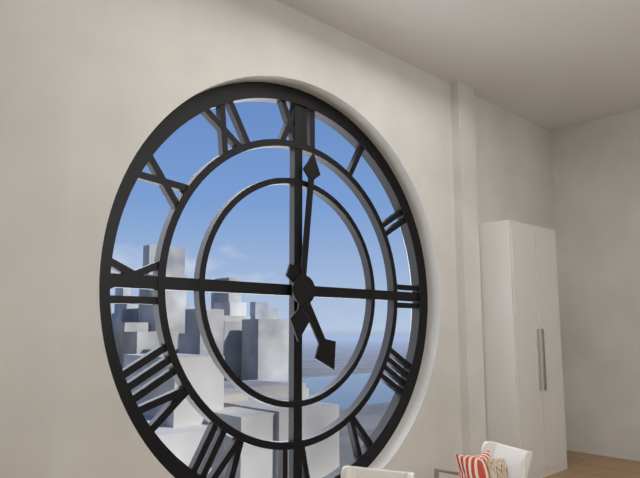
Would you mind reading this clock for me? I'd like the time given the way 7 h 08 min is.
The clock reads 5 h 01 min
